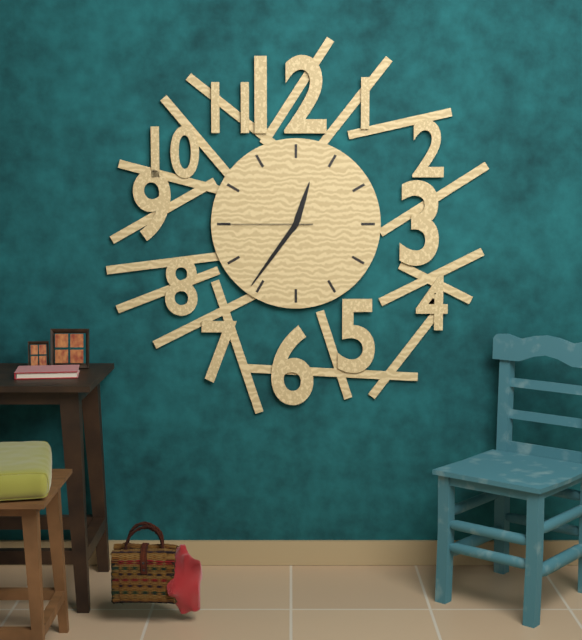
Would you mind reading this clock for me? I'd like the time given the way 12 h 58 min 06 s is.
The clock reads 12 h 36 min 45 s
